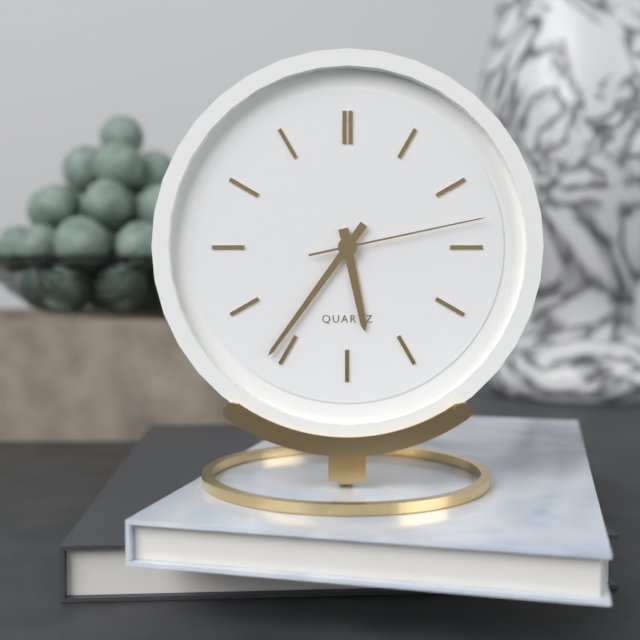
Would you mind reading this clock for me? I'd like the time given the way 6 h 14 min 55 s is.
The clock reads 5 h 36 min 13 s
